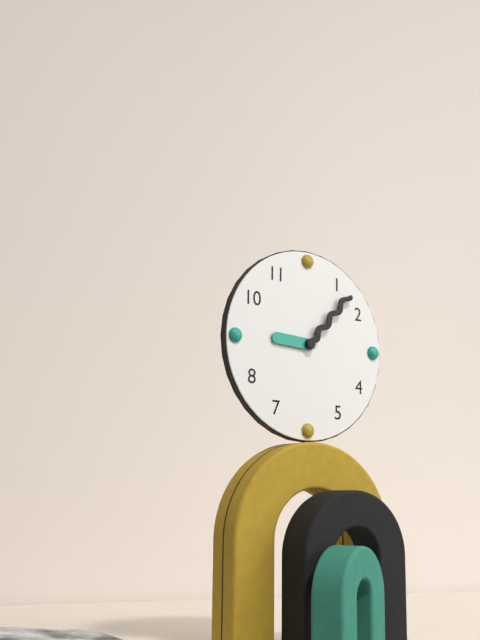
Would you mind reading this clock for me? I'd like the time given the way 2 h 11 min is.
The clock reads 9 h 07 min
